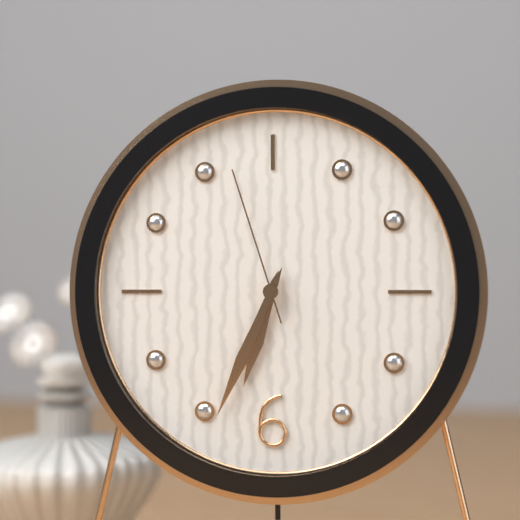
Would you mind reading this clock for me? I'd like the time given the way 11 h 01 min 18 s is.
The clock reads 6 h 34 min 57 s
